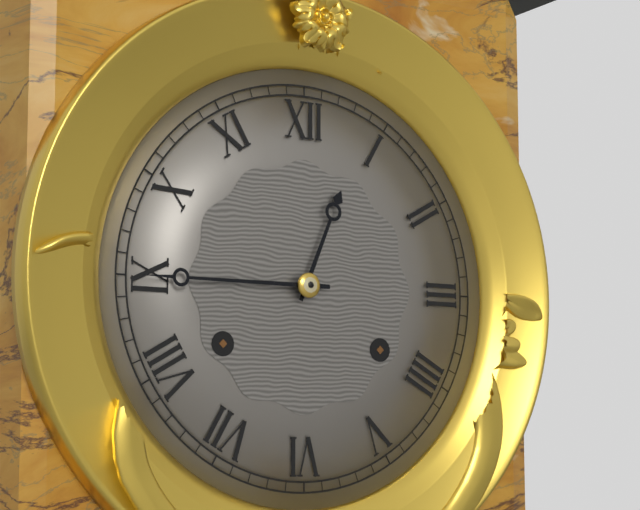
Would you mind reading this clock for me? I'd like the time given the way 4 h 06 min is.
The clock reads 12 h 45 min
